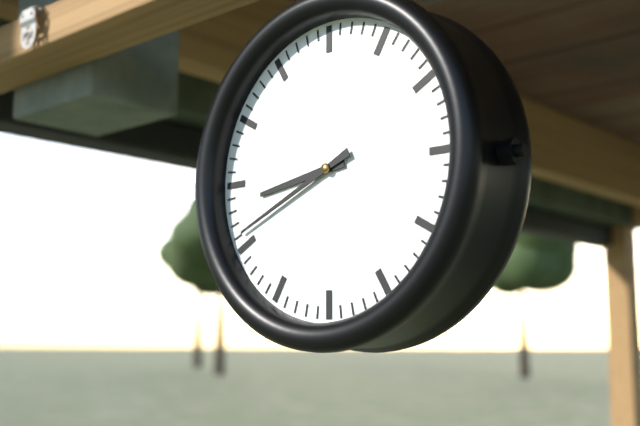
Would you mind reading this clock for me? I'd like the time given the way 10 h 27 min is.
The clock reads 8 h 41 min
